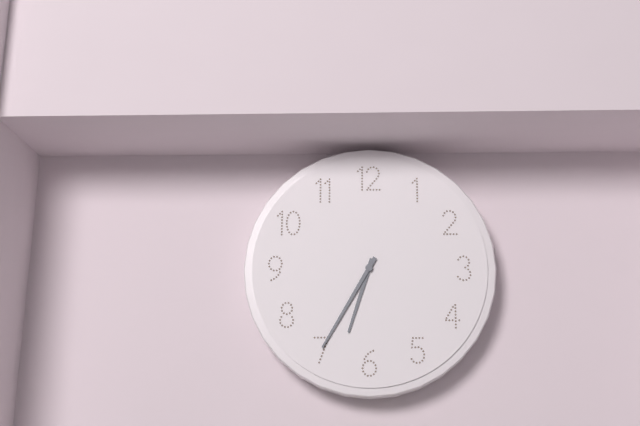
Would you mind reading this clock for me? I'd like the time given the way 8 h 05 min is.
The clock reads 6 h 35 min
